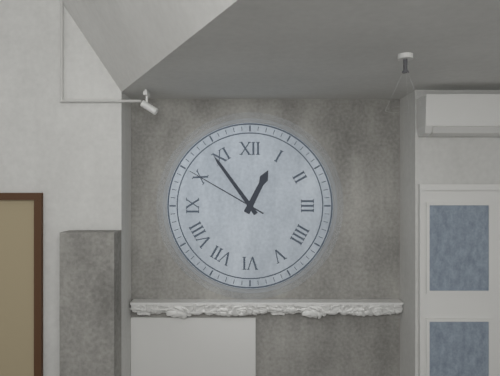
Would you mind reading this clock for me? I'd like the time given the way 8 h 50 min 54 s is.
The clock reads 12 h 54 min 50 s
